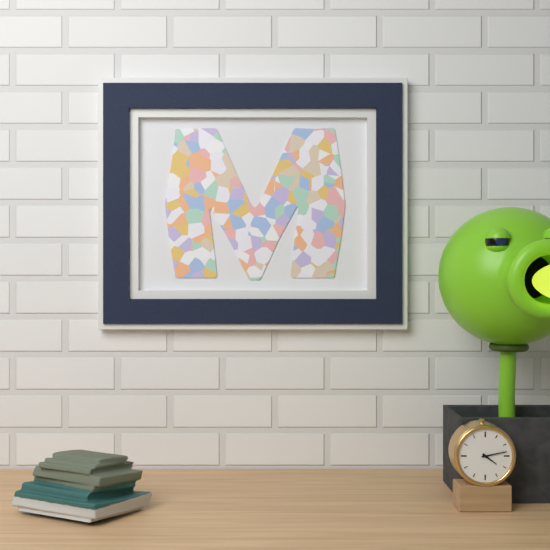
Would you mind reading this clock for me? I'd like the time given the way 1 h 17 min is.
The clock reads 4 h 13 min
